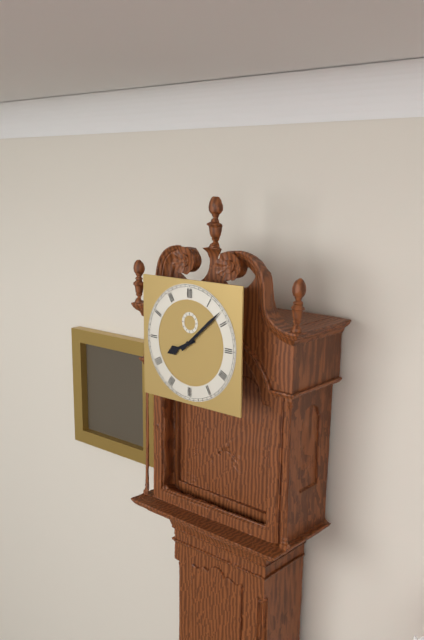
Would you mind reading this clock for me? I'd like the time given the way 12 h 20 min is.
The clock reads 8 h 08 min
